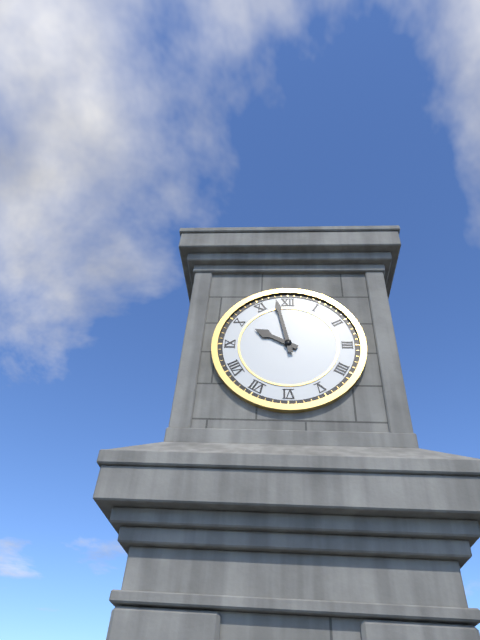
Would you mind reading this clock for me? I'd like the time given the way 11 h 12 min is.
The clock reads 9 h 58 min
